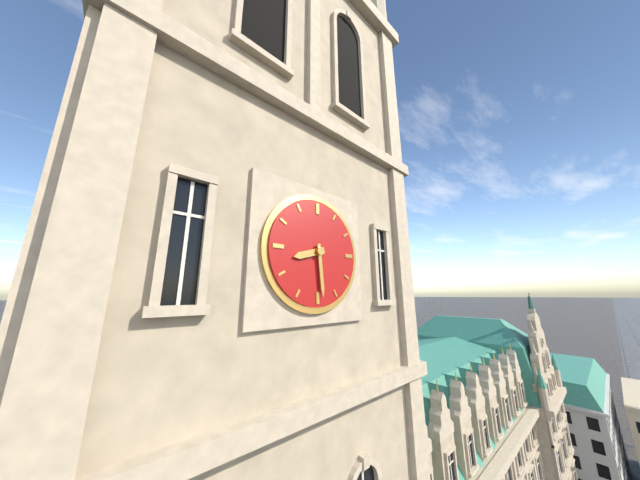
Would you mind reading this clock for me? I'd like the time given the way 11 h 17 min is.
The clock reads 8 h 29 min
